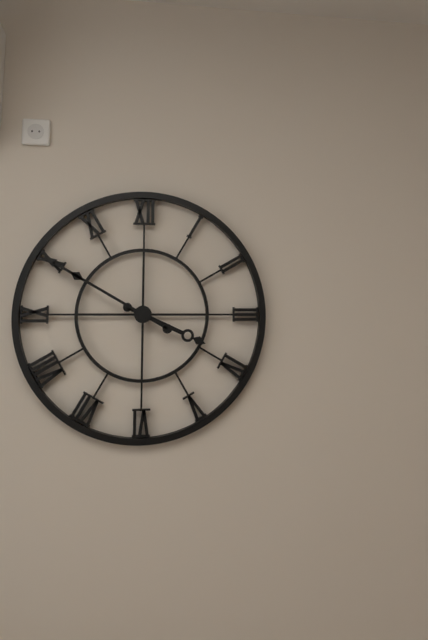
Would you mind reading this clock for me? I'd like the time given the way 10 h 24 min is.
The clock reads 3 h 50 min
